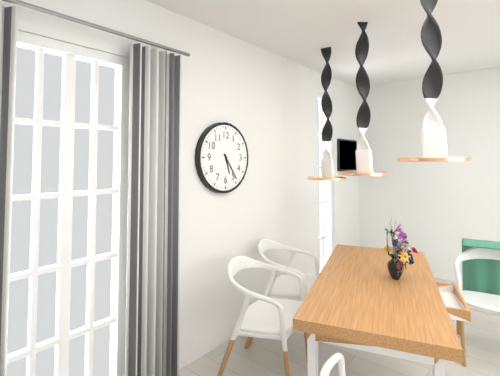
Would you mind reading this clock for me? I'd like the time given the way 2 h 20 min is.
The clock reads 5 h 24 min
